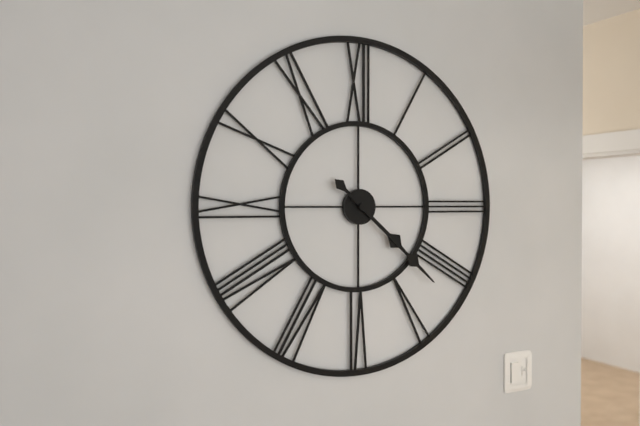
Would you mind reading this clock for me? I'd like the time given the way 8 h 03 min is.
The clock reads 4 h 22 min
